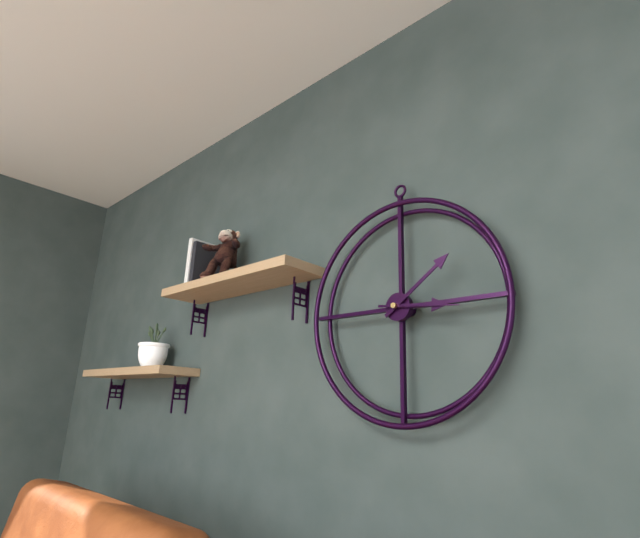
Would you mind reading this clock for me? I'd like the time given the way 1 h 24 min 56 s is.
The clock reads 3 h 09 min 16 s
